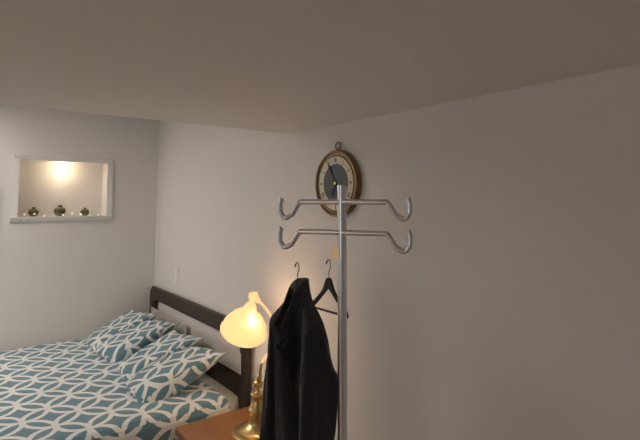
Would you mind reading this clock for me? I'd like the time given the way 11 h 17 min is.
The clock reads 6 h 55 min
